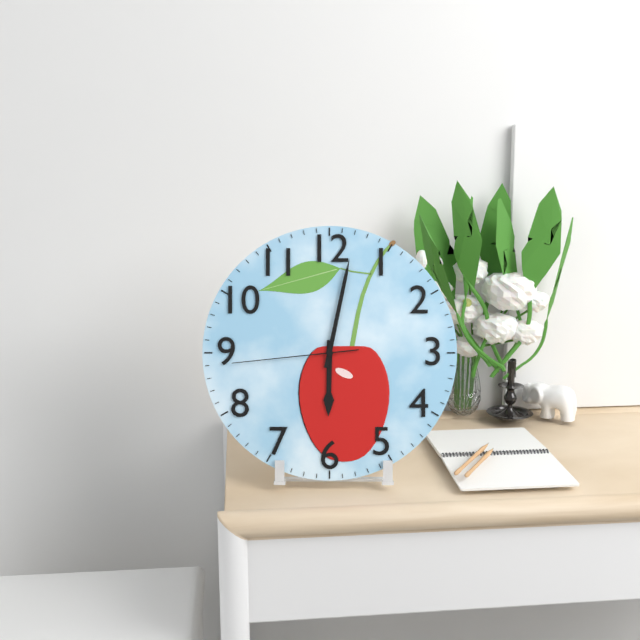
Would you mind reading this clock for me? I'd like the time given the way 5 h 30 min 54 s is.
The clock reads 6 h 02 min 44 s
